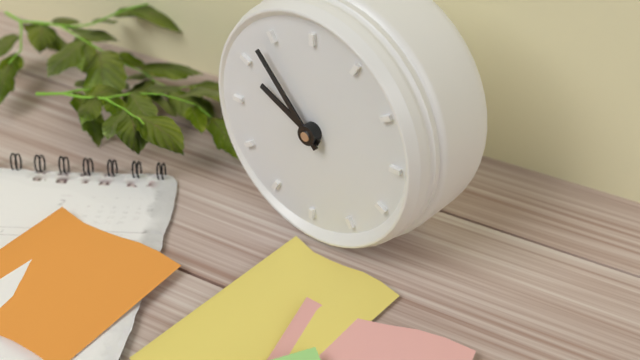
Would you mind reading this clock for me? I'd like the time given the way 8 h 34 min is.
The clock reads 9 h 53 min
